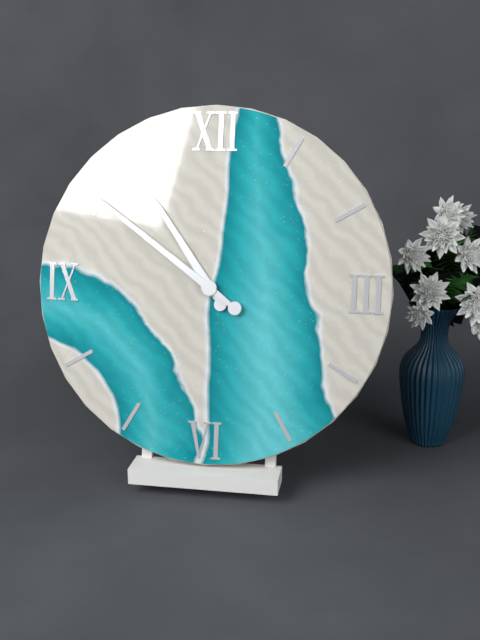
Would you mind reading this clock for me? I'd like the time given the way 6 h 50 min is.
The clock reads 10 h 51 min
